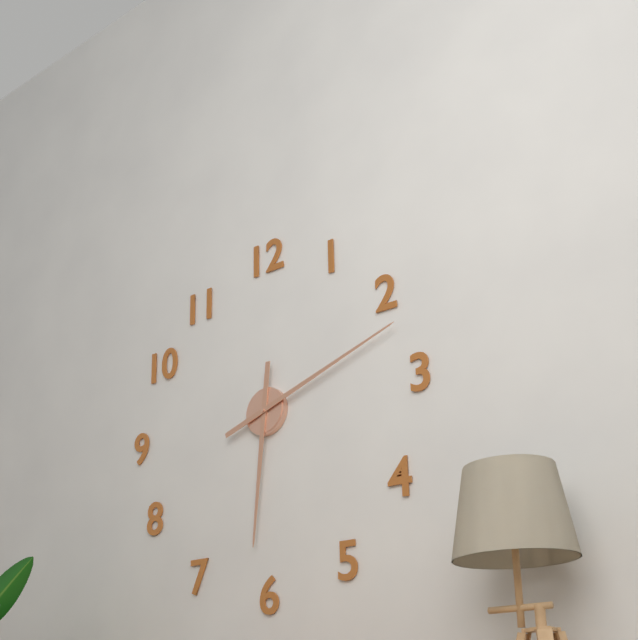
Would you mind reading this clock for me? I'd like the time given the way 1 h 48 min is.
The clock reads 6 h 12 min
